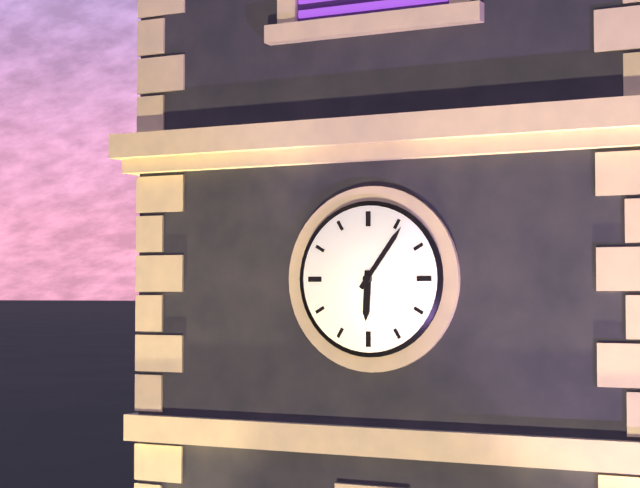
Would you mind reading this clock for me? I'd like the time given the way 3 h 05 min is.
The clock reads 6 h 06 min
